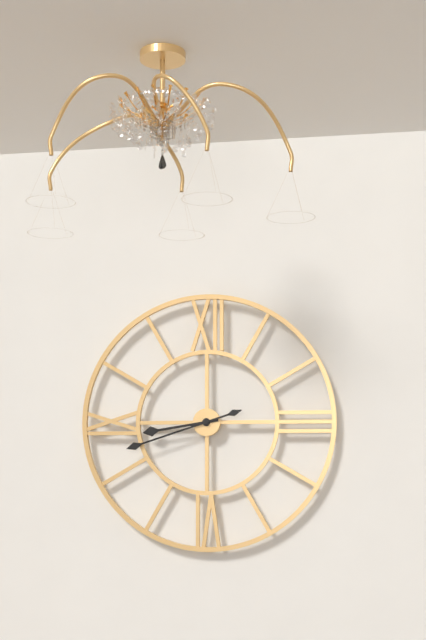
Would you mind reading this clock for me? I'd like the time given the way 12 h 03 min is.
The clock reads 8 h 42 min
